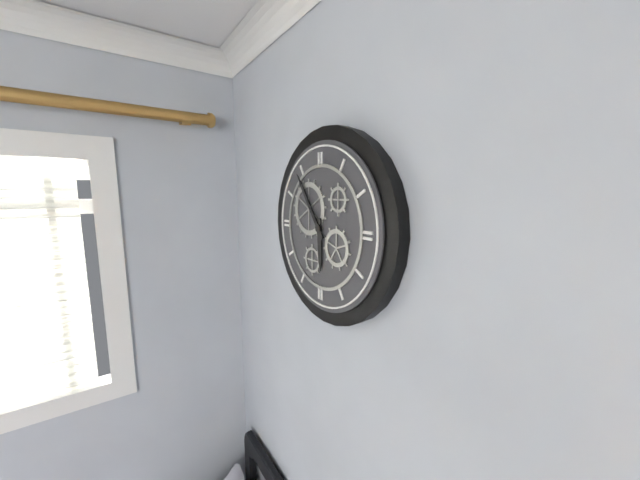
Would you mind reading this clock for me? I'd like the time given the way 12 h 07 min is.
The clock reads 5 h 54 min
